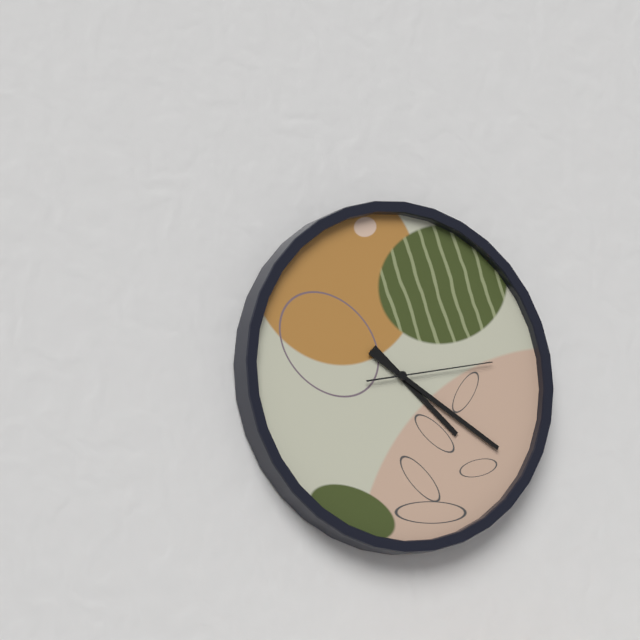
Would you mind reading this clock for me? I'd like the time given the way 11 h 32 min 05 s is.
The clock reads 4 h 20 min 13 s
